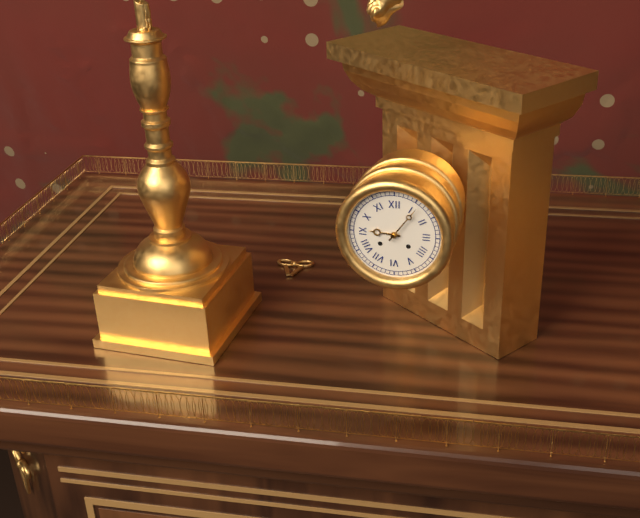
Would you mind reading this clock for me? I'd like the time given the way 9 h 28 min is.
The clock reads 9 h 06 min
